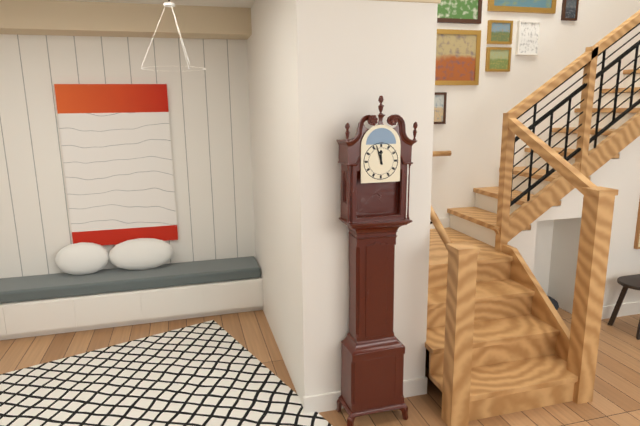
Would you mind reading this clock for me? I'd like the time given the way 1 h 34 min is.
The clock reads 11 h 57 min
